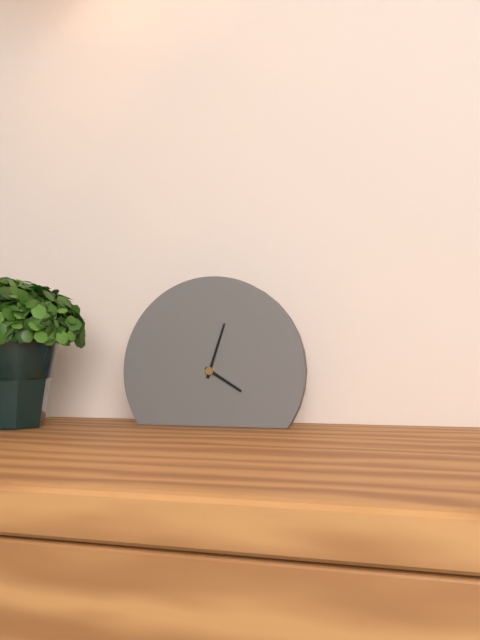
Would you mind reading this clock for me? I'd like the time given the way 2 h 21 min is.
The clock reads 4 h 03 min
